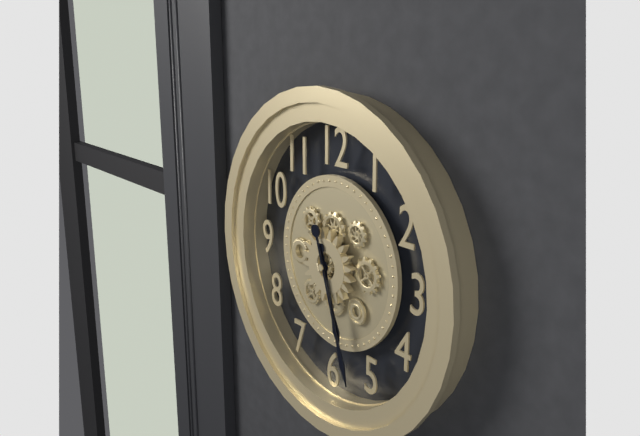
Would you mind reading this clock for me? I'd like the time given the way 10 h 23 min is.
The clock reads 5 h 27 min
